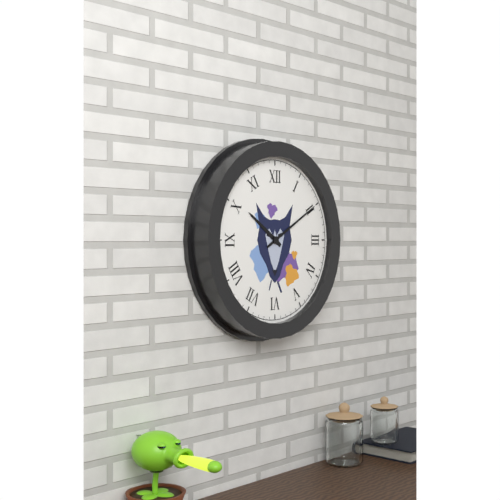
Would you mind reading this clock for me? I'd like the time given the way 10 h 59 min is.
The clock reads 10 h 10 min
